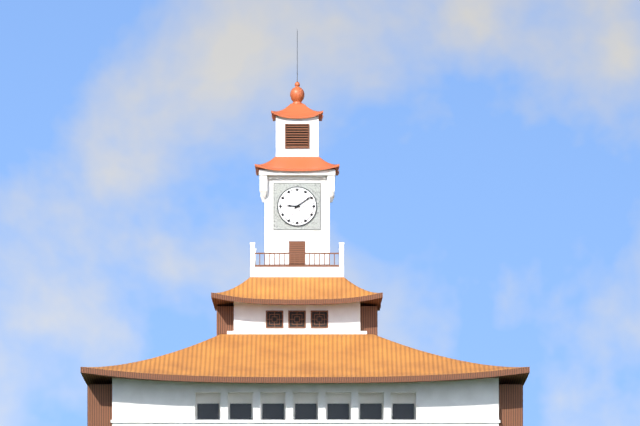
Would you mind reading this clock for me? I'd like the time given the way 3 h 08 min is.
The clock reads 9 h 09 min
